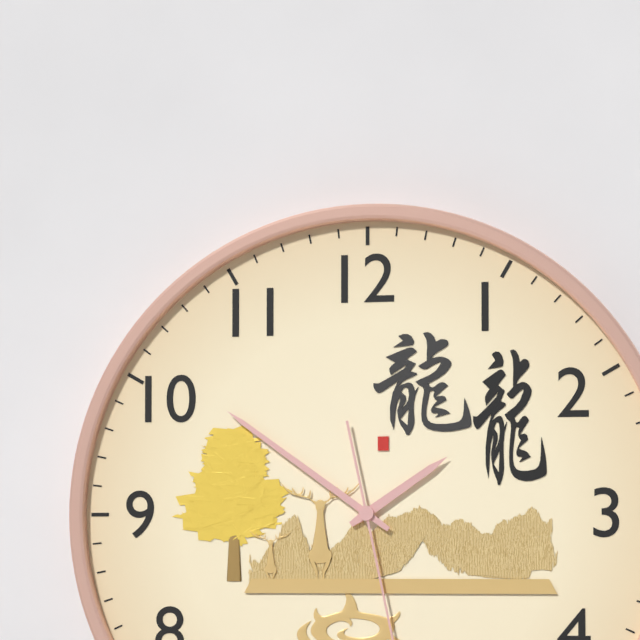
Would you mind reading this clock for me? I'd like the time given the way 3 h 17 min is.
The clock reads 1 h 51 min
